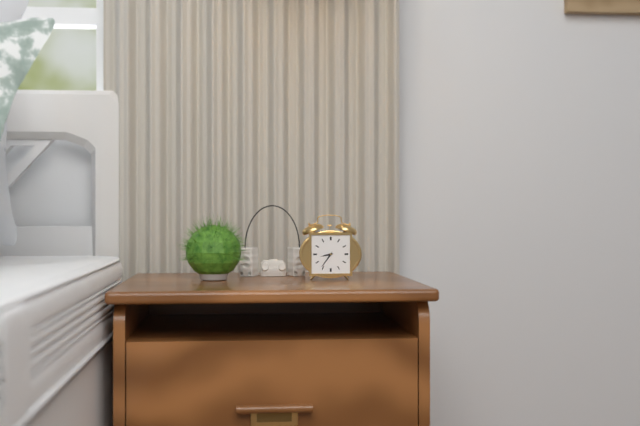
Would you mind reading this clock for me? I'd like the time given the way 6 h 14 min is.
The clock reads 8 h 36 min
